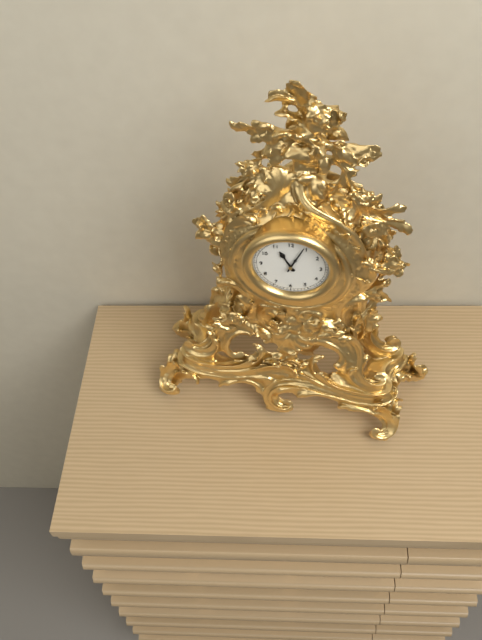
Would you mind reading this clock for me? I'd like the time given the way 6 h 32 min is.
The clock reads 11 h 04 min
